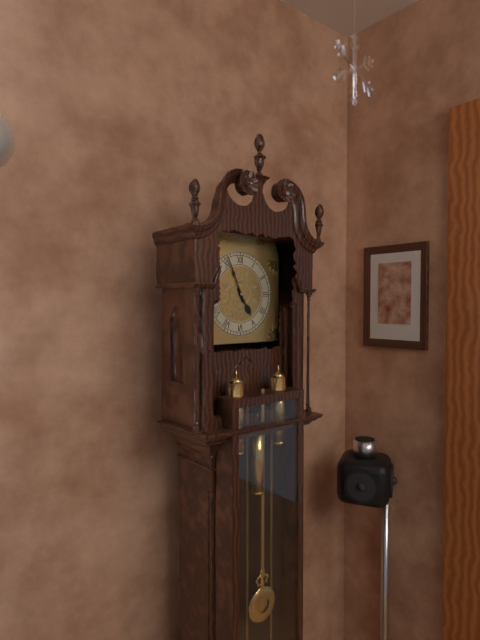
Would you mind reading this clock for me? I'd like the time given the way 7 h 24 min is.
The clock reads 4 h 56 min
